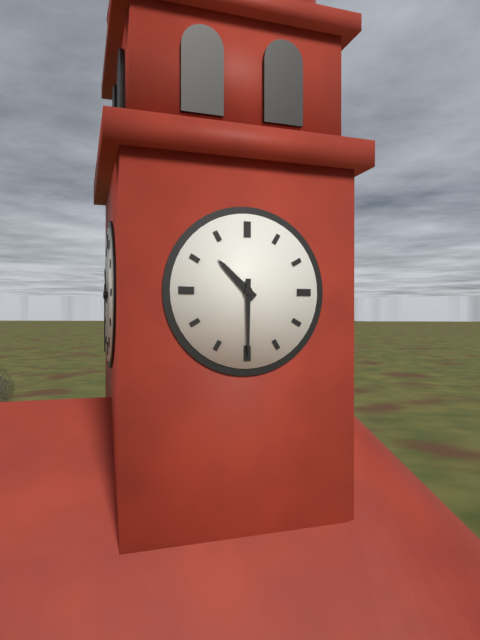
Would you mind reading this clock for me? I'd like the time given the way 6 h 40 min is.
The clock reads 10 h 30 min
